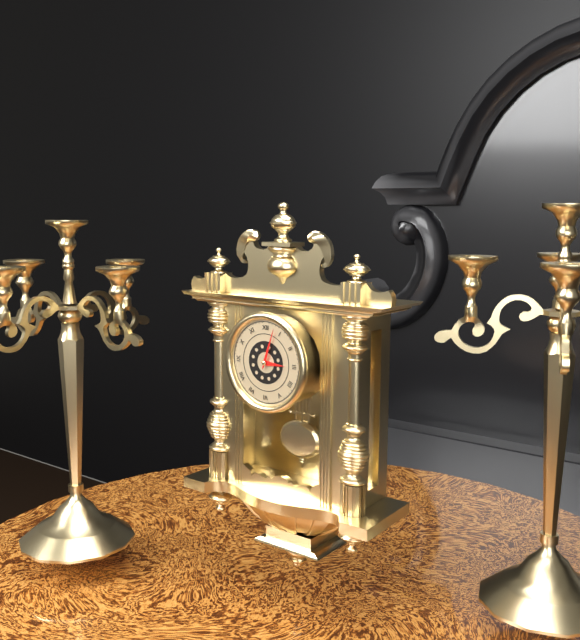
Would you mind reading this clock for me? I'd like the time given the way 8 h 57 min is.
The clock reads 3 h 03 min
